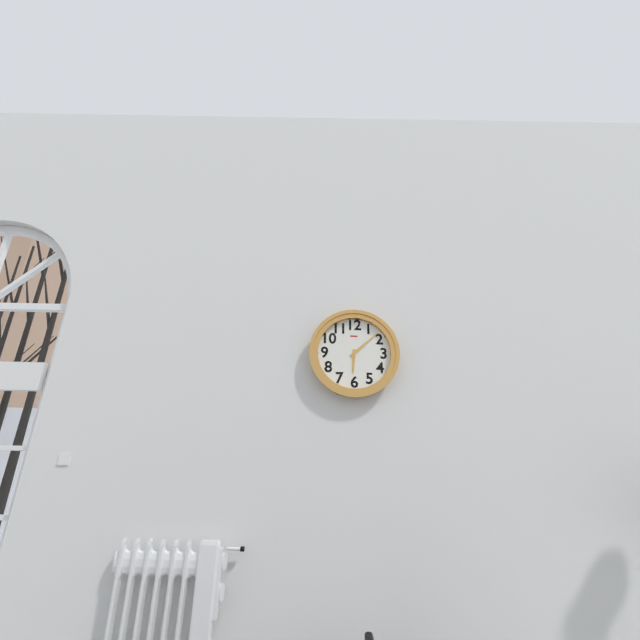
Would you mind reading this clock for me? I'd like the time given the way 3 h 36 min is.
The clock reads 6 h 08 min
